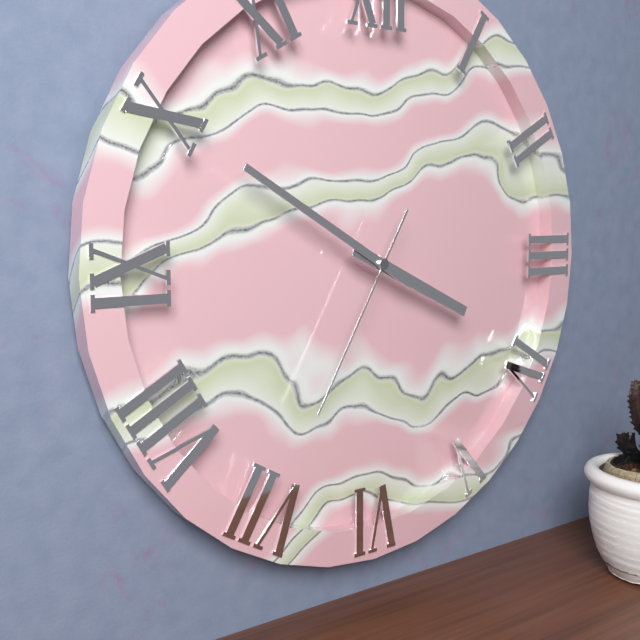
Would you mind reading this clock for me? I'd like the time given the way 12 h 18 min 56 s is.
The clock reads 3 h 50 min 35 s
